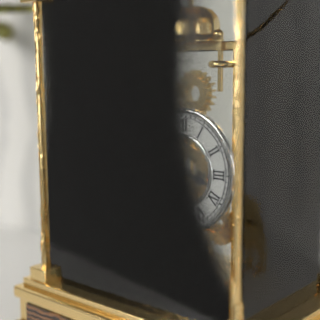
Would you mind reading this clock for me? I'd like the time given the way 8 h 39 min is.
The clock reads 3 h 34 min
